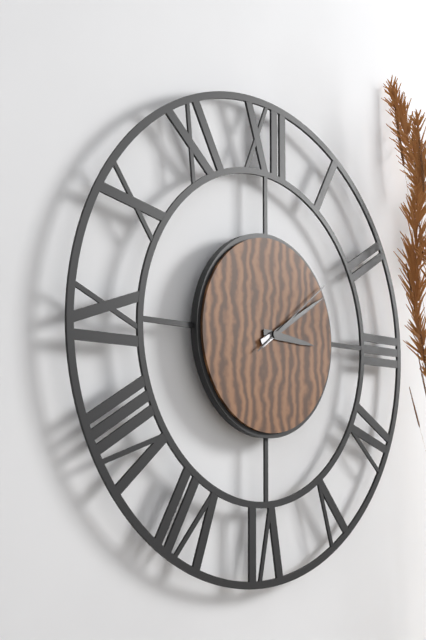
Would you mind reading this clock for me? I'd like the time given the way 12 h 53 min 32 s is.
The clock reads 3 h 10 min 09 s
